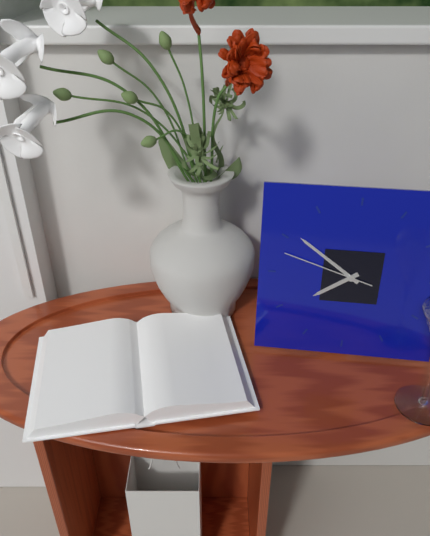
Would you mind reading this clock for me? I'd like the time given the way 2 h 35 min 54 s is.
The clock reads 7 h 51 min 48 s
